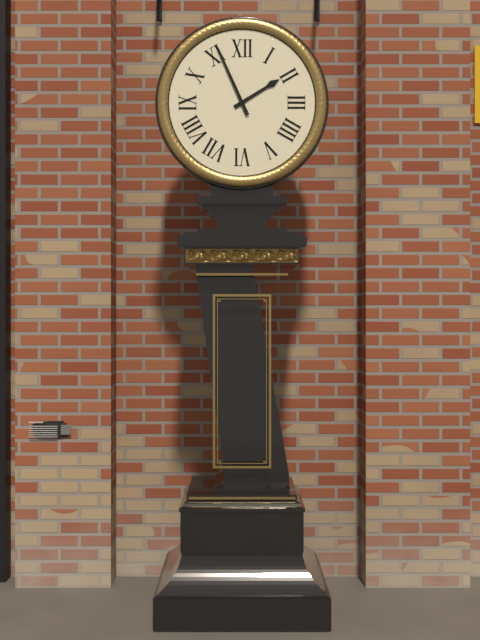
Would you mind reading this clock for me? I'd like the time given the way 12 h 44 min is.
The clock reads 1 h 56 min
